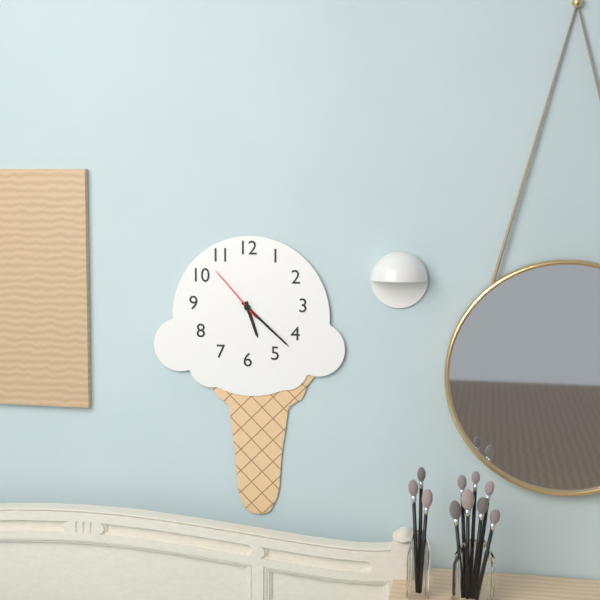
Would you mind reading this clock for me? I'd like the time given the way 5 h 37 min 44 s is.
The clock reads 5 h 22 min 53 s
